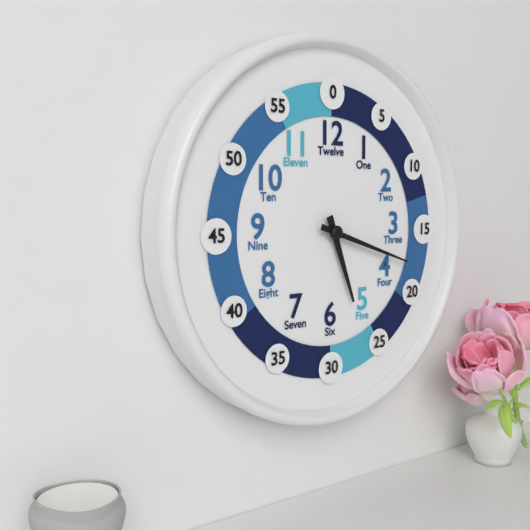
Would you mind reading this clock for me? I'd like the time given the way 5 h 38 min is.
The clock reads 5 h 18 min
